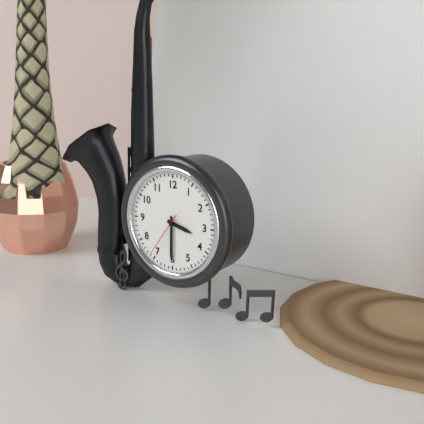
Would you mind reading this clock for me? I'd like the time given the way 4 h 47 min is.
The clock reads 3 h 30 min
